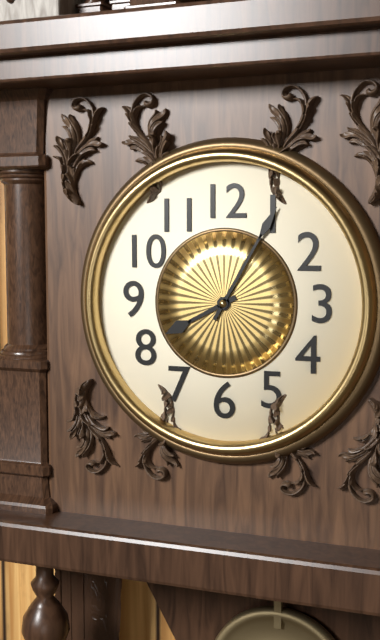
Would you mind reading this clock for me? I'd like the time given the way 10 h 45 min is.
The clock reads 8 h 05 min
